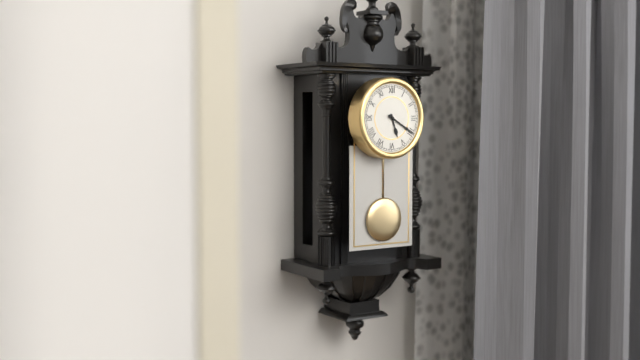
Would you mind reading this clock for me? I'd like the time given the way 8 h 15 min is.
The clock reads 5 h 20 min
